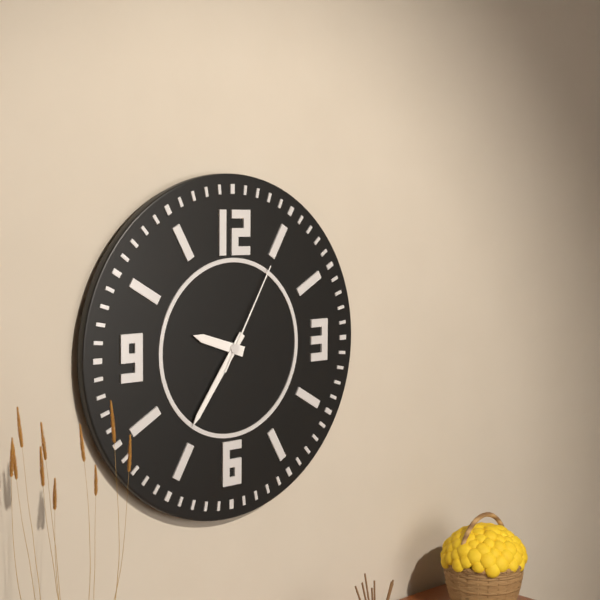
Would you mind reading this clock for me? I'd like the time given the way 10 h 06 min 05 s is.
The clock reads 9 h 36 min 05 s
